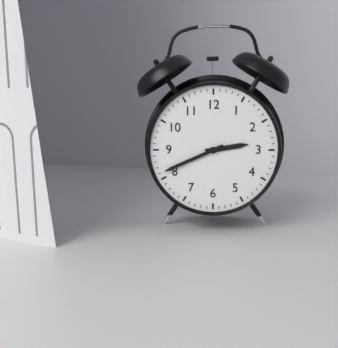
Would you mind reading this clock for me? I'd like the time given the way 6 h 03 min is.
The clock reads 2 h 41 min
